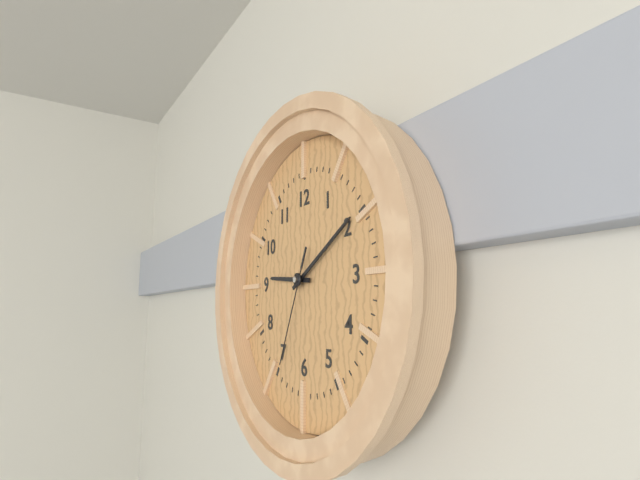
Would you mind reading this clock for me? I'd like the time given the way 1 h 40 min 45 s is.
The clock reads 9 h 10 min 34 s
